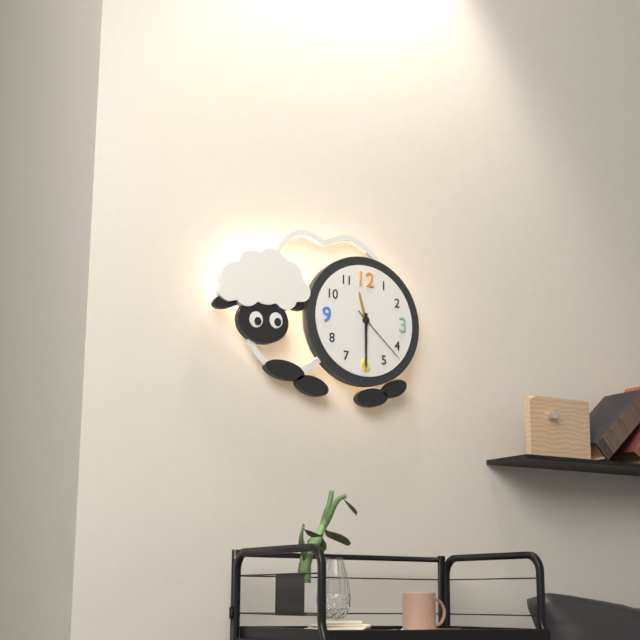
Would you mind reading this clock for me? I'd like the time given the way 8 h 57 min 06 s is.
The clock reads 11 h 30 min 22 s
